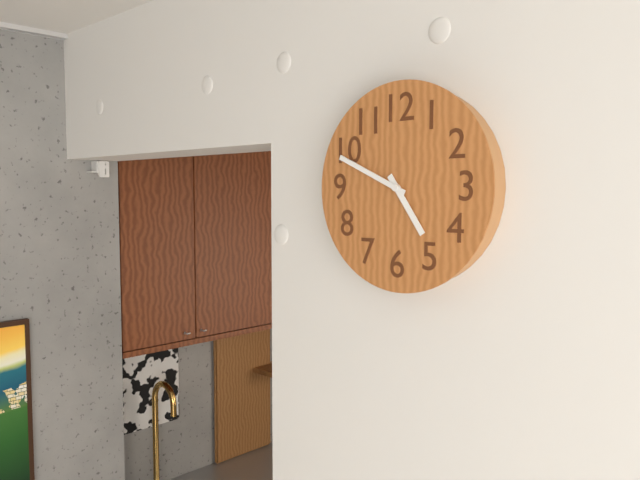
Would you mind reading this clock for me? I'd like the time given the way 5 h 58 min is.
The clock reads 4 h 49 min
